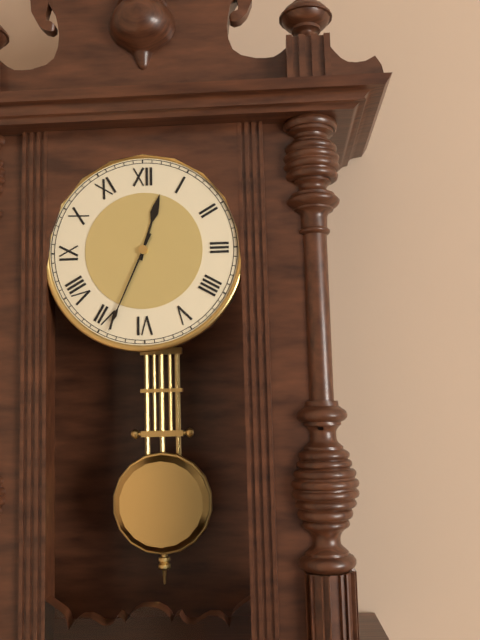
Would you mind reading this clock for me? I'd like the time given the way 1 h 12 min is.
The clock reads 12 h 34 min
